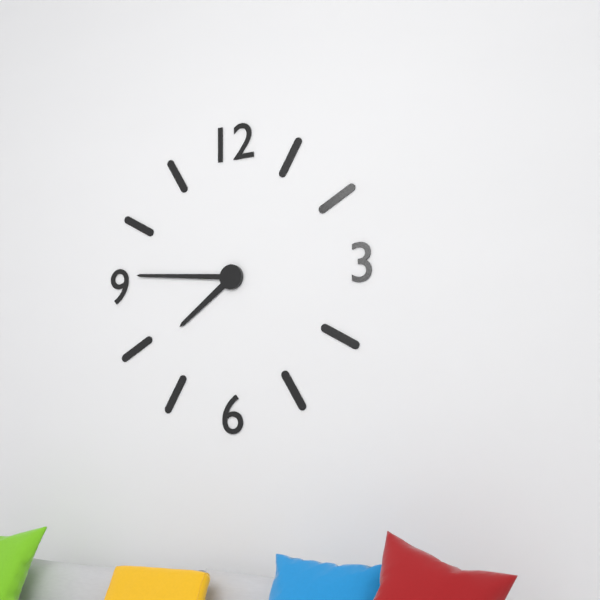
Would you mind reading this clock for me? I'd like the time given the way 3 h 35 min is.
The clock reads 7 h 46 min
